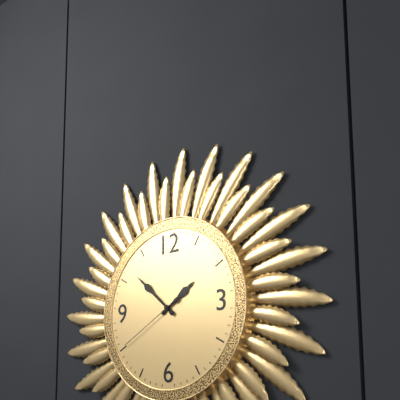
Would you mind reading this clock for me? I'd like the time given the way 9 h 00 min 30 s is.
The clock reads 1 h 52 min 40 s
